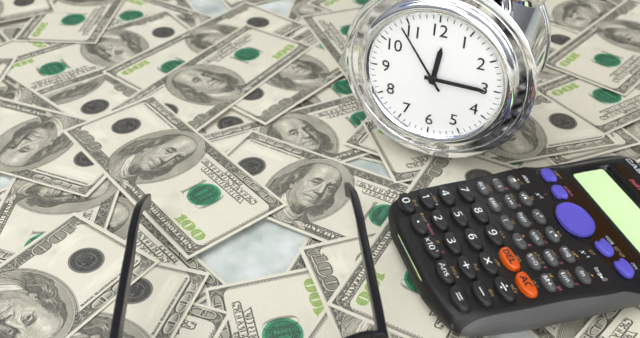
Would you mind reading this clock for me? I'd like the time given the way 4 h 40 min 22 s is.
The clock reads 12 h 15 min 54 s
